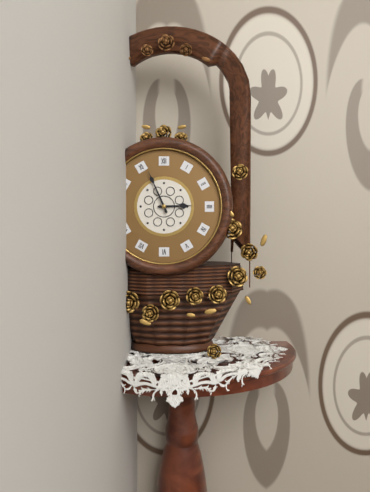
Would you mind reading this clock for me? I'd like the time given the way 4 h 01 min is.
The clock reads 2 h 56 min
